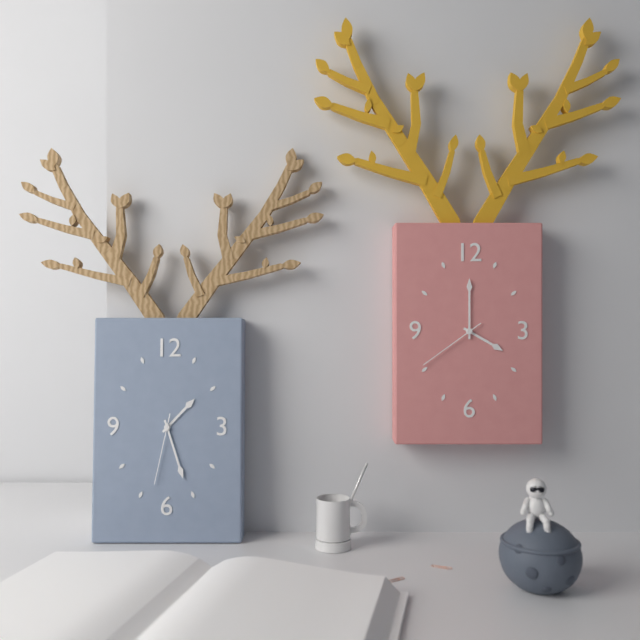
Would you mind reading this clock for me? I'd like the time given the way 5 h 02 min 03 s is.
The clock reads 1 h 27 min 32 s
